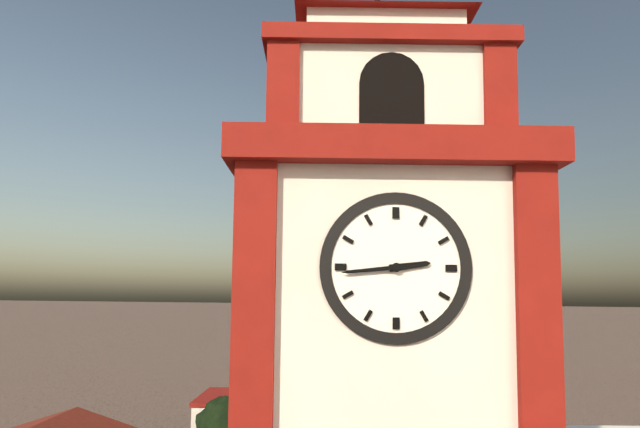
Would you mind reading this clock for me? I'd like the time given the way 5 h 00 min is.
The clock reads 2 h 44 min
